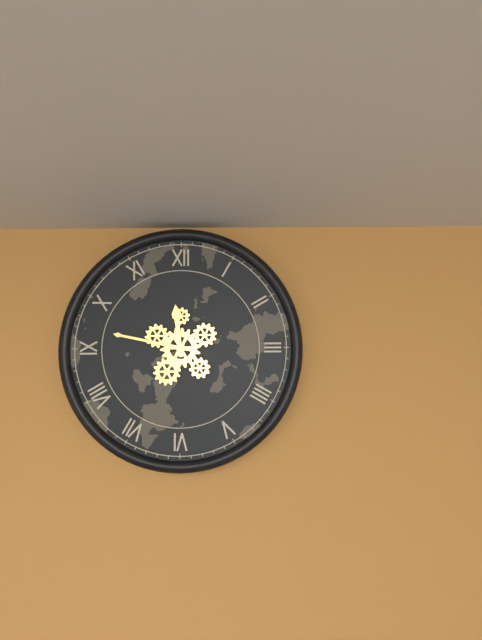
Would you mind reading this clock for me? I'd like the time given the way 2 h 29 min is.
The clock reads 11 h 47 min
